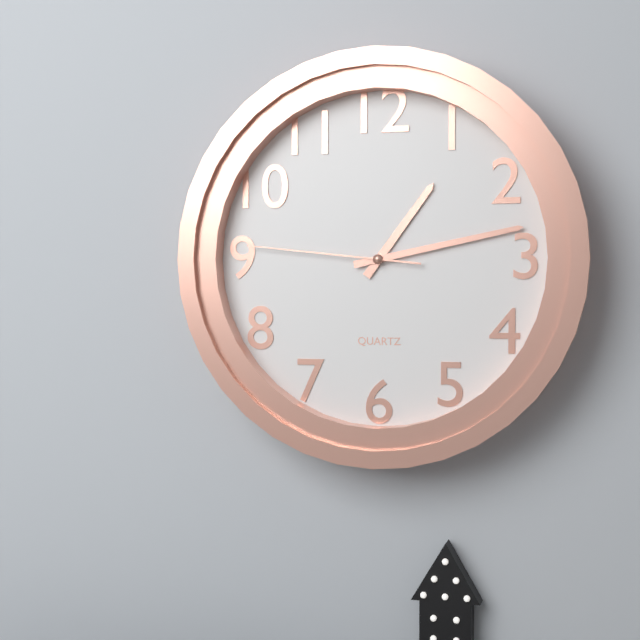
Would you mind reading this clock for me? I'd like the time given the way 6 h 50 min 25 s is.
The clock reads 1 h 13 min 46 s
